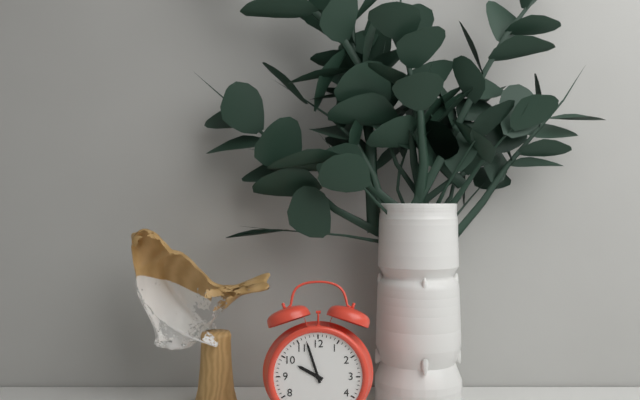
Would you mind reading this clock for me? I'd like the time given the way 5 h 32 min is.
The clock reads 9 h 57 min
